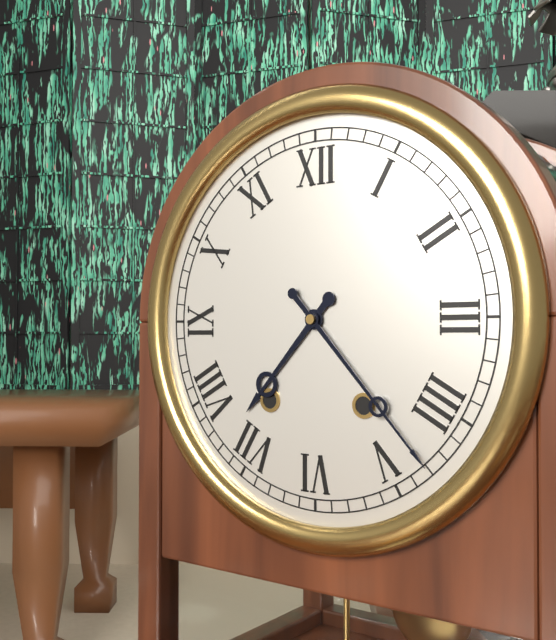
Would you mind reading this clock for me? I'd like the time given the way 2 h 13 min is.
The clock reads 7 h 23 min
